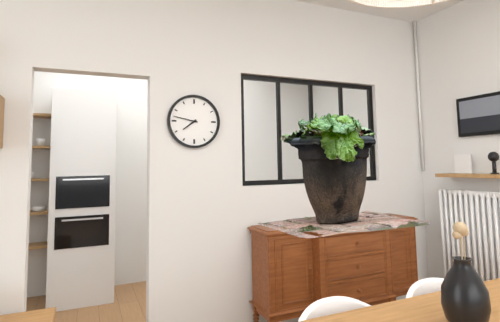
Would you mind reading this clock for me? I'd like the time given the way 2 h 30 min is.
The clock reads 7 h 47 min
